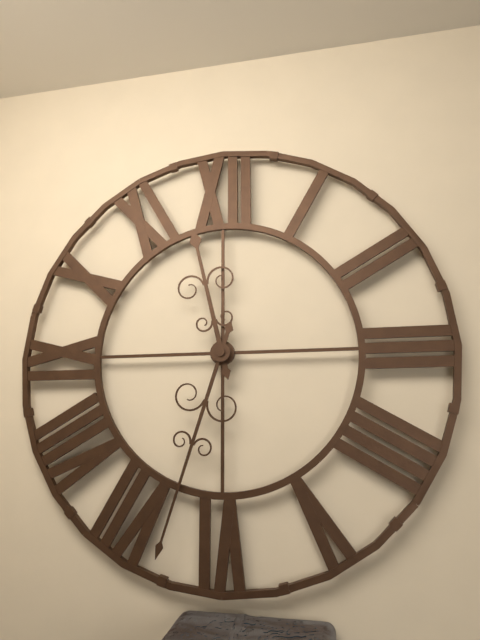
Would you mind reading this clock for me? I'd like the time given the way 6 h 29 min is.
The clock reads 11 h 33 min
